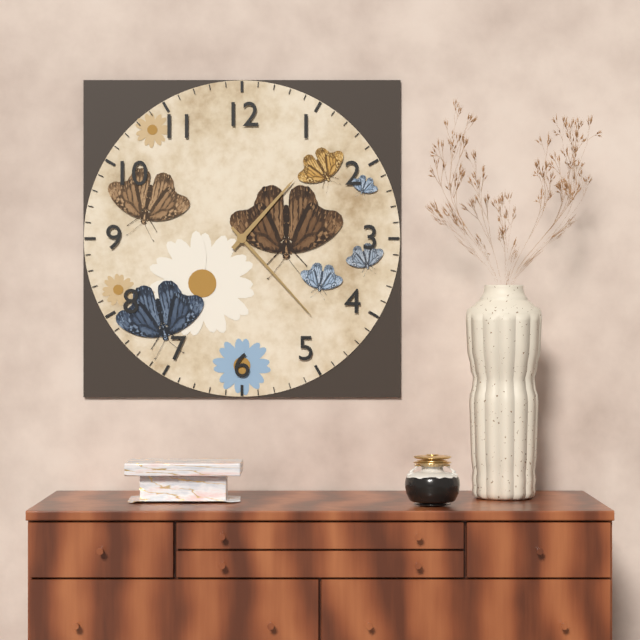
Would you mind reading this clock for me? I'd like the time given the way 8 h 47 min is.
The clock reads 1 h 23 min
